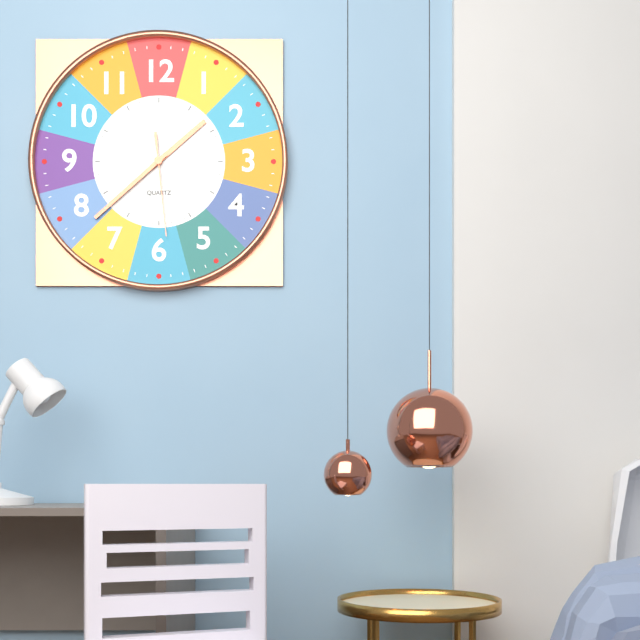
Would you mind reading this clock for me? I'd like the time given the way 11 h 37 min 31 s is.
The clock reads 1 h 38 min 29 s
